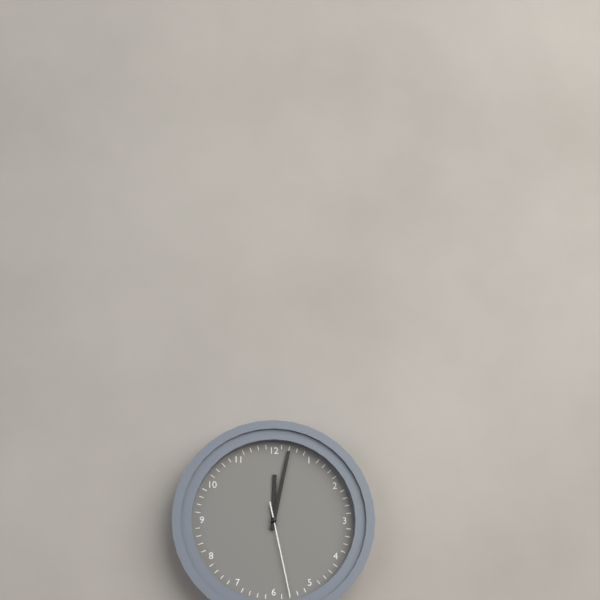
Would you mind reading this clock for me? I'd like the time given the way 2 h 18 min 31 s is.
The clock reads 12 h 02 min 28 s
